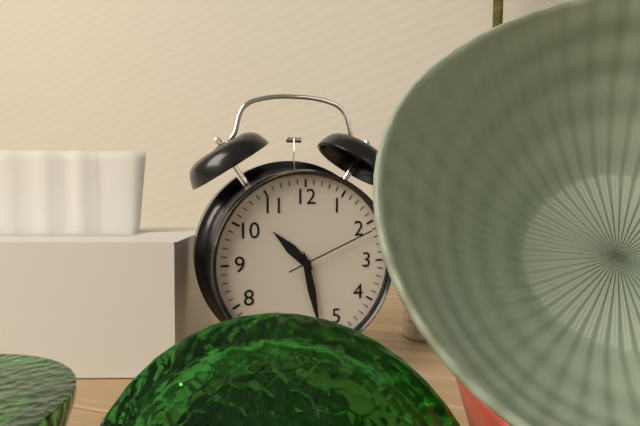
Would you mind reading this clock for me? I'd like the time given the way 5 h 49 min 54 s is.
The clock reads 10 h 28 min 11 s
